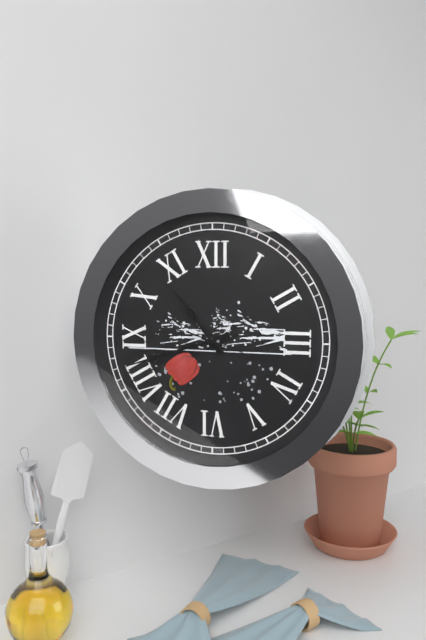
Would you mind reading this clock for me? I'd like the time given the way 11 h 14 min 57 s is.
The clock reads 10 h 42 min 18 s
